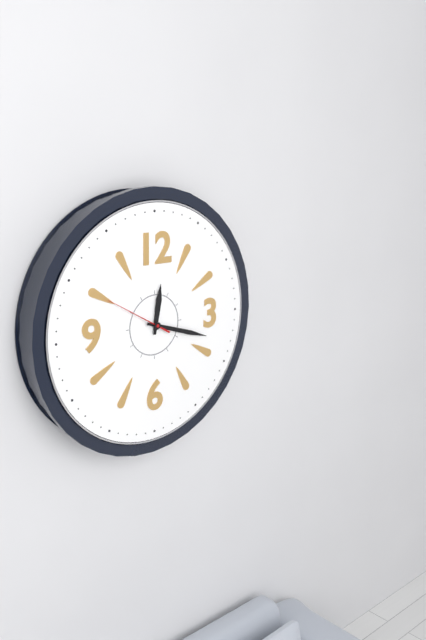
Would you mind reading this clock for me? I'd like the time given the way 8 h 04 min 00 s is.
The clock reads 12 h 18 min 50 s
